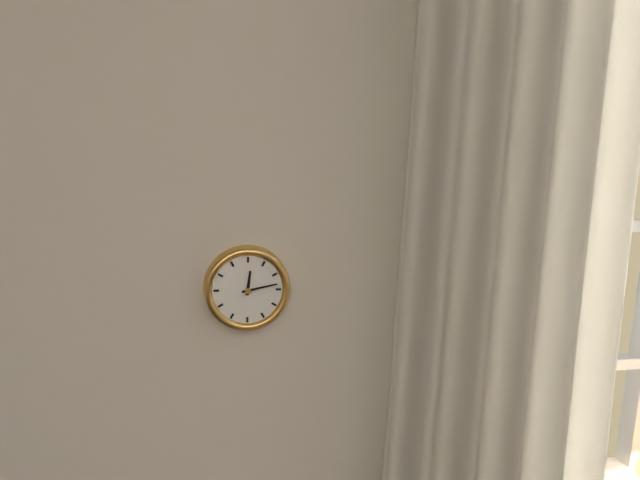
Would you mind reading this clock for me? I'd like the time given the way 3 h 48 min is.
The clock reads 12 h 13 min
